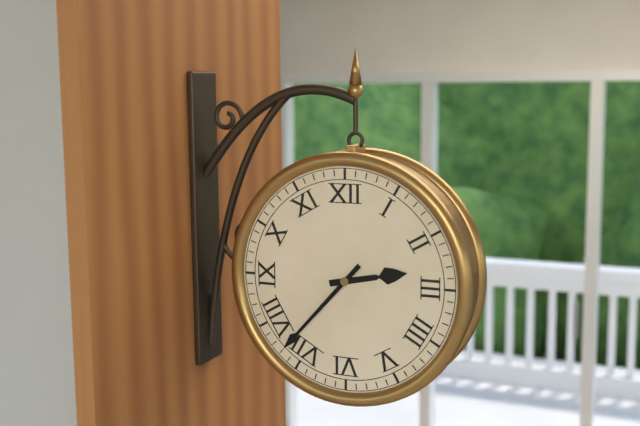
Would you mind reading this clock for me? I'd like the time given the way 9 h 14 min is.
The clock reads 2 h 37 min
